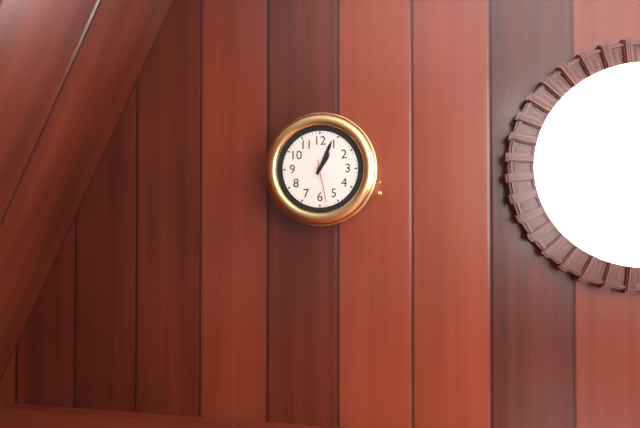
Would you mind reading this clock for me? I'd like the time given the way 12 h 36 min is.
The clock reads 1 h 04 min
